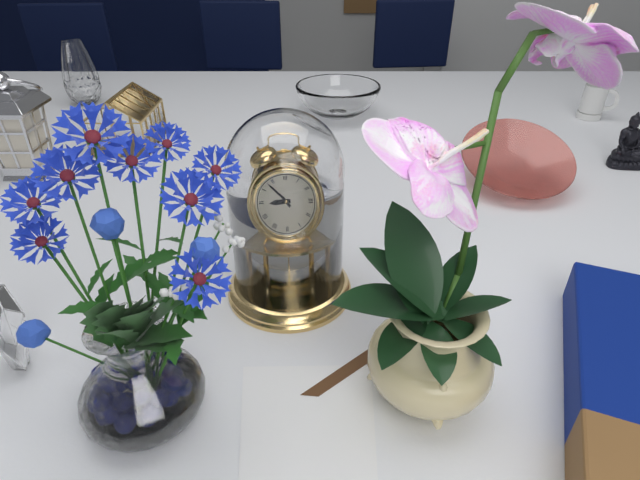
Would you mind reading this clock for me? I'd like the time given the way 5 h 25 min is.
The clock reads 8 h 53 min
